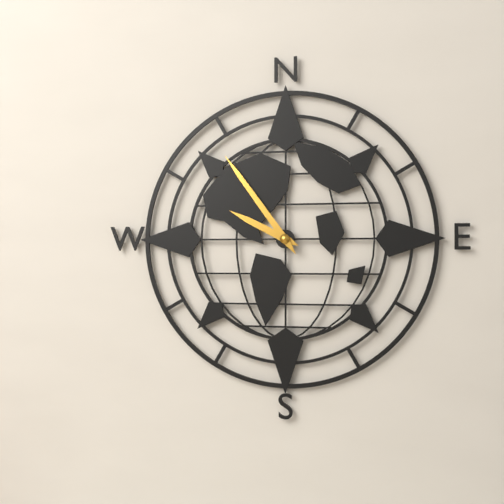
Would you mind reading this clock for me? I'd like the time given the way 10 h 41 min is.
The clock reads 9 h 54 min
